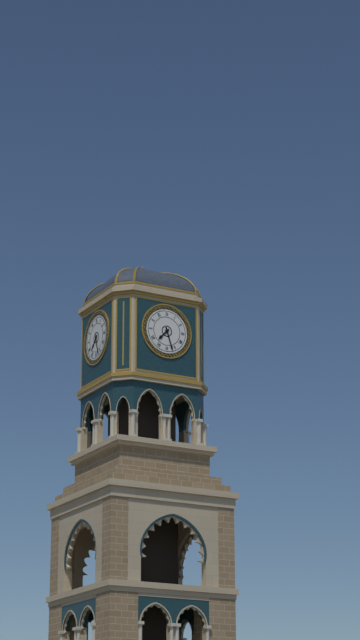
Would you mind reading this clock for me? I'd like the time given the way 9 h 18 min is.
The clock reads 7 h 27 min
